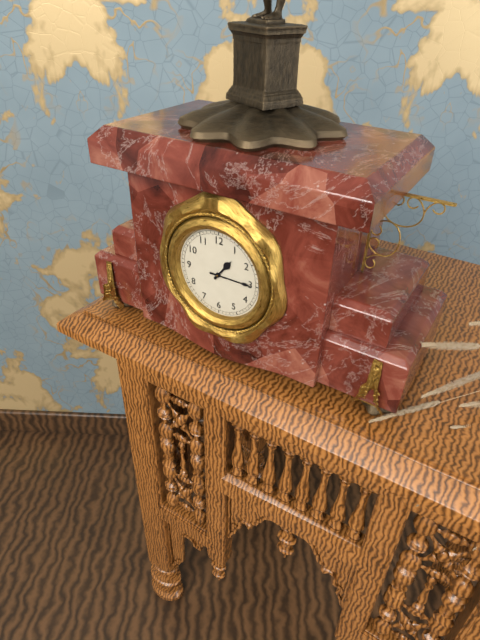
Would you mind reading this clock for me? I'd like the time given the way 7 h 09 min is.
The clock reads 1 h 15 min
